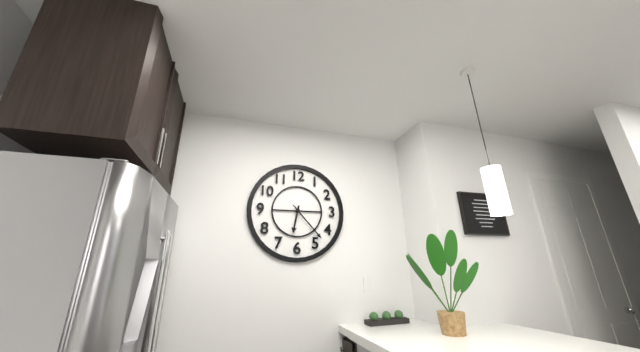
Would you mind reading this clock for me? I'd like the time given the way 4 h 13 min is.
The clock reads 6 h 23 min
